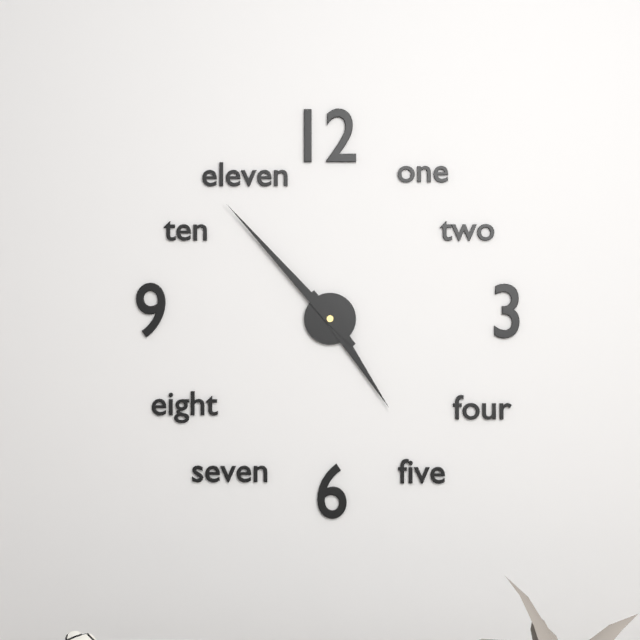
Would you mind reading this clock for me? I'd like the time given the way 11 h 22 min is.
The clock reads 4 h 53 min
